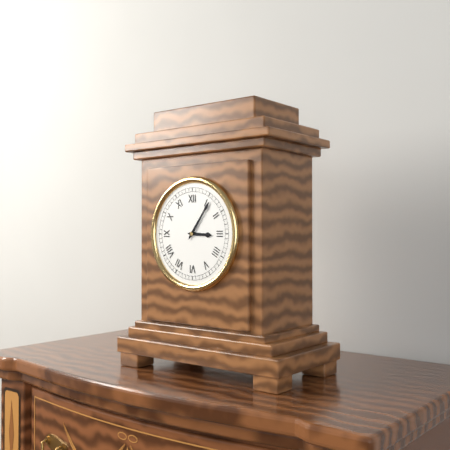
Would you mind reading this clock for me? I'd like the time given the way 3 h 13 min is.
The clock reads 3 h 06 min
